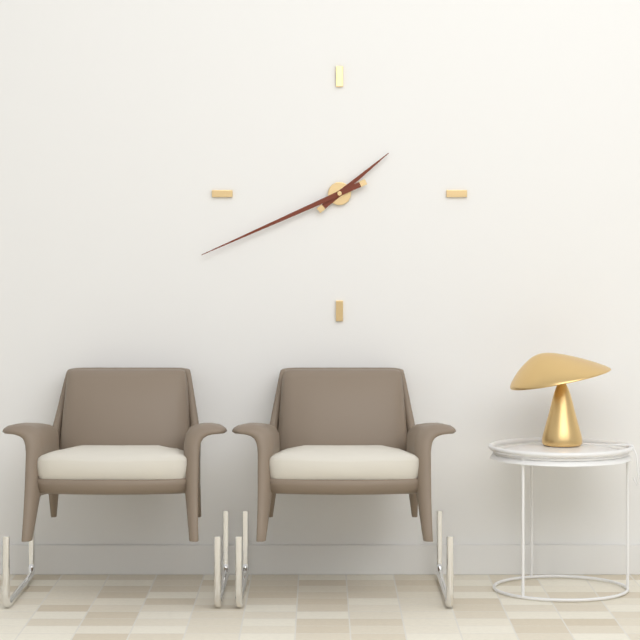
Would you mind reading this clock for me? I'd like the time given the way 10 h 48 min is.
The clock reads 1 h 41 min
